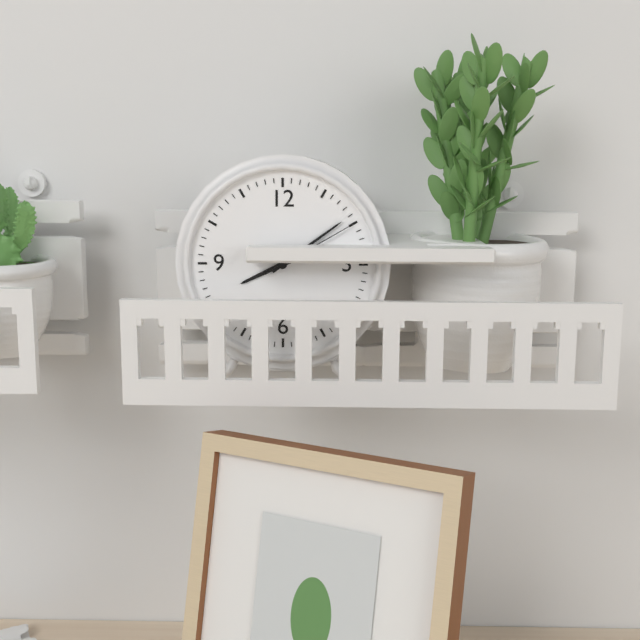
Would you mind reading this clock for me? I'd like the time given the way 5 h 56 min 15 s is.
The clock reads 8 h 09 min 10 s
